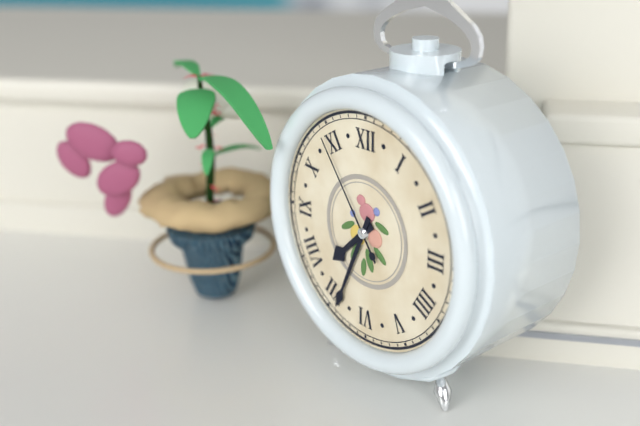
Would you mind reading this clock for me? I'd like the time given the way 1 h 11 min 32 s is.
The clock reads 7 h 34 min 54 s
